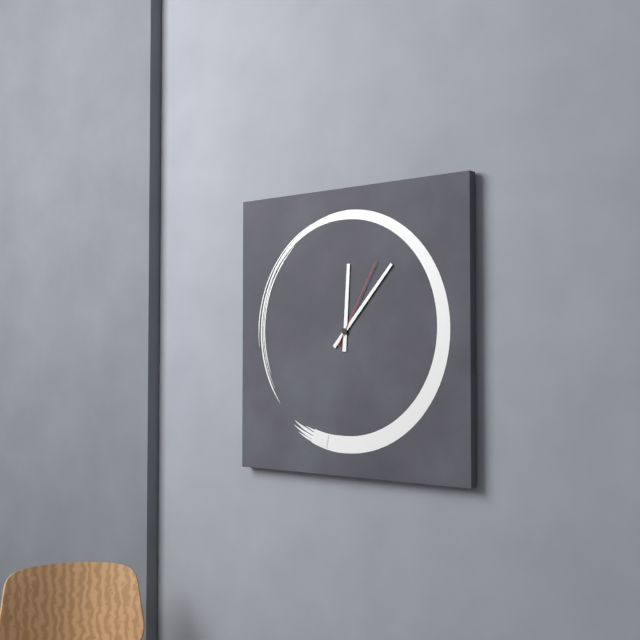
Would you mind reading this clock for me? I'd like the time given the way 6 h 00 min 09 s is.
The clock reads 12 h 07 min 05 s
